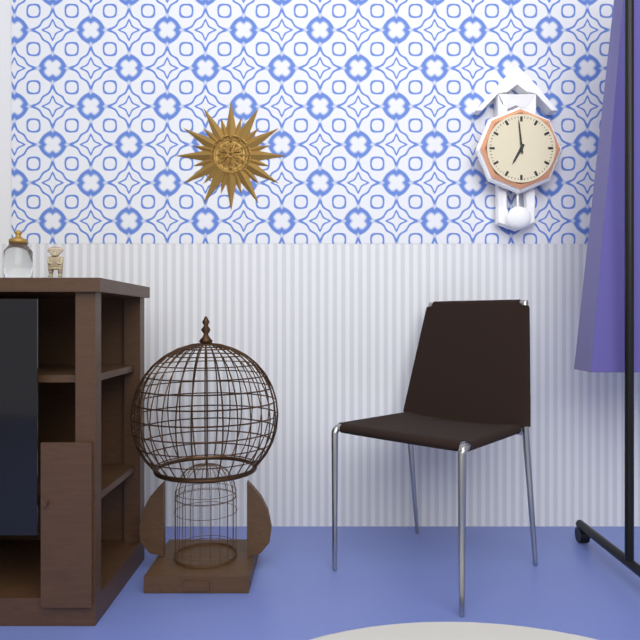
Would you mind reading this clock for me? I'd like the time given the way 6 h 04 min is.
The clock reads 6 h 59 min
